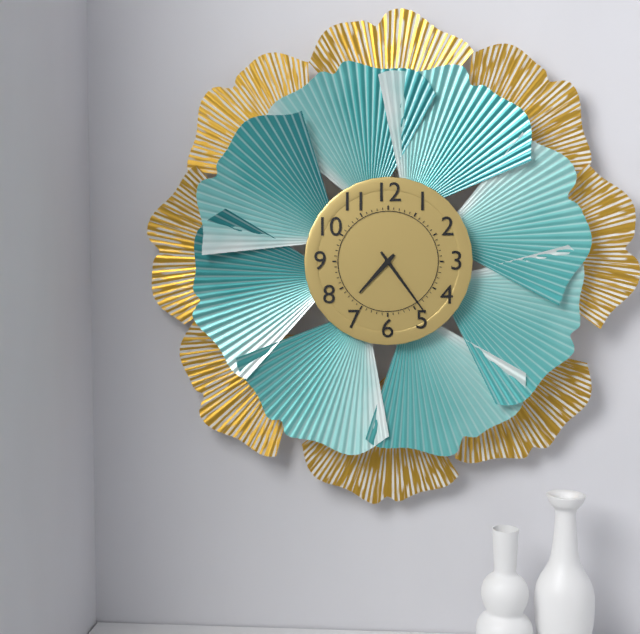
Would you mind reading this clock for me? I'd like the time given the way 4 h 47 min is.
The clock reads 7 h 24 min
